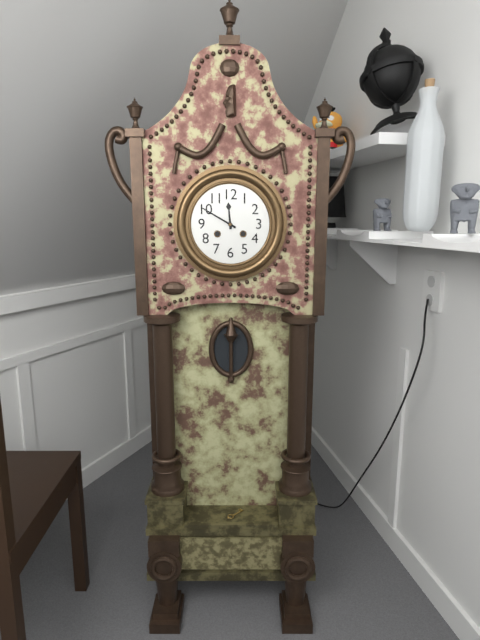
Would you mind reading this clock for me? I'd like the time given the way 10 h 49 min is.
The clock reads 11 h 50 min
